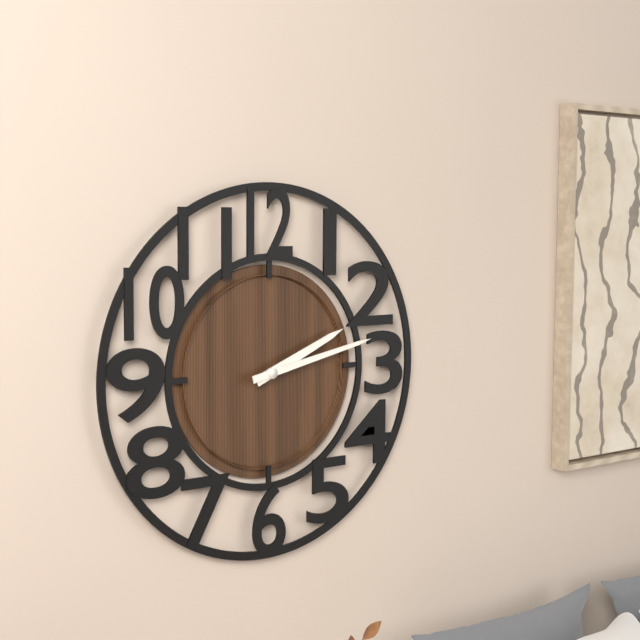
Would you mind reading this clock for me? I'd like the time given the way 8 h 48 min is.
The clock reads 2 h 13 min
